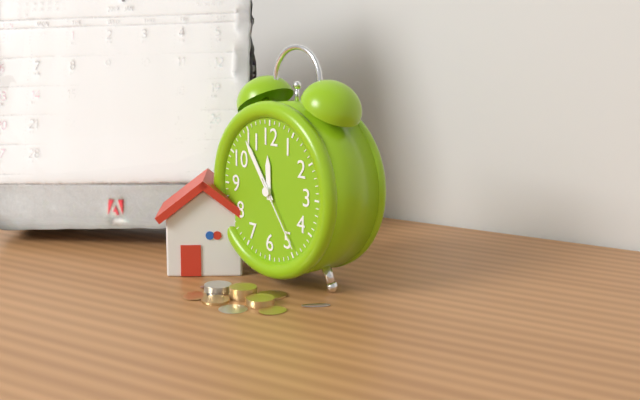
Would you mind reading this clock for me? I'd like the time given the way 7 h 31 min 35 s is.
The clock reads 11 h 54 min 24 s
